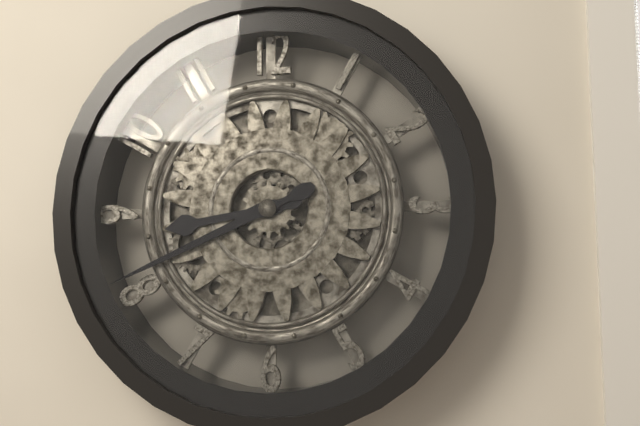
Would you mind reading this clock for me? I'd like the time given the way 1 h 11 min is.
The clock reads 8 h 41 min
